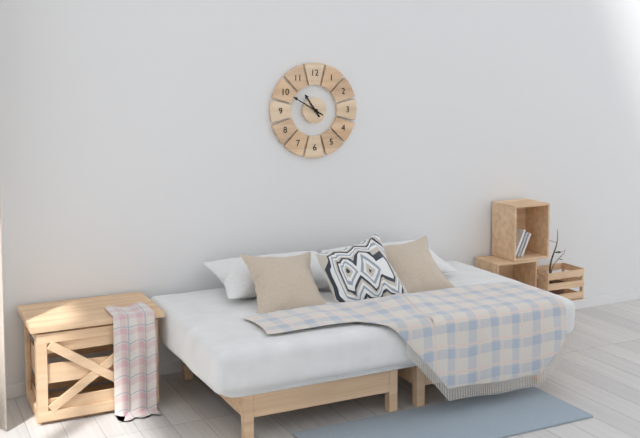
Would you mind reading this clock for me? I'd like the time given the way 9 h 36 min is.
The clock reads 10 h 50 min
